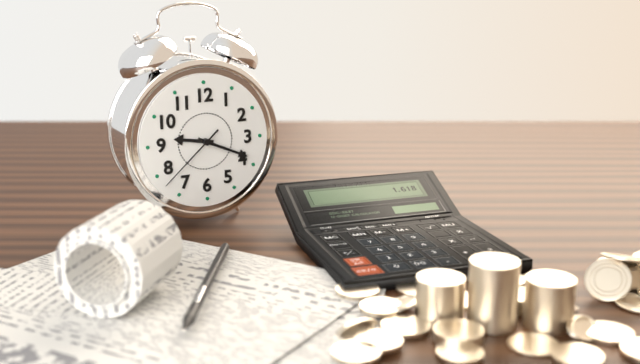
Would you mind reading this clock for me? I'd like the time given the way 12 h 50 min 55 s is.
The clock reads 9 h 19 min 38 s
